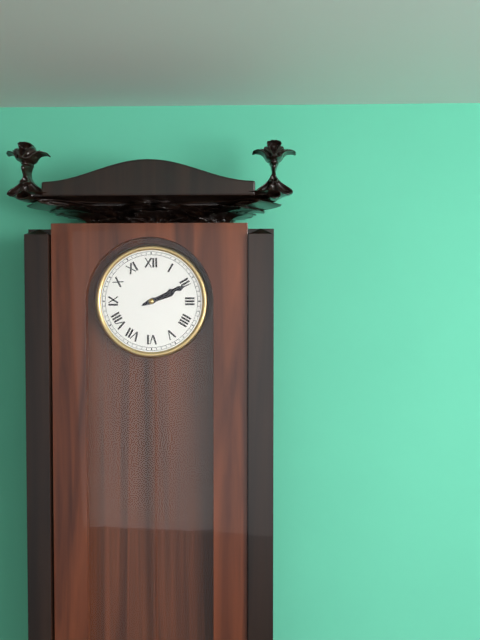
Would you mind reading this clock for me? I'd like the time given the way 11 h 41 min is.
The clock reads 2 h 11 min
